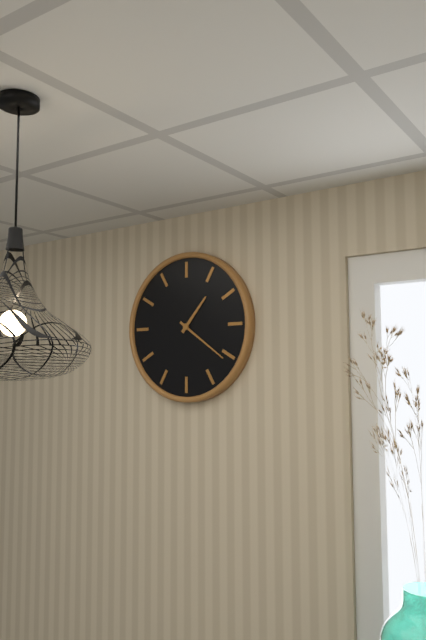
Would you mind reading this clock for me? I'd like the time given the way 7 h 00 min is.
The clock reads 1 h 21 min
